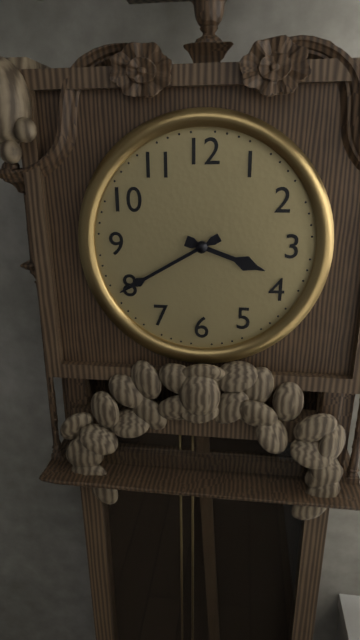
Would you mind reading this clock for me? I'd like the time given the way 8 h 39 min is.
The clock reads 3 h 40 min
